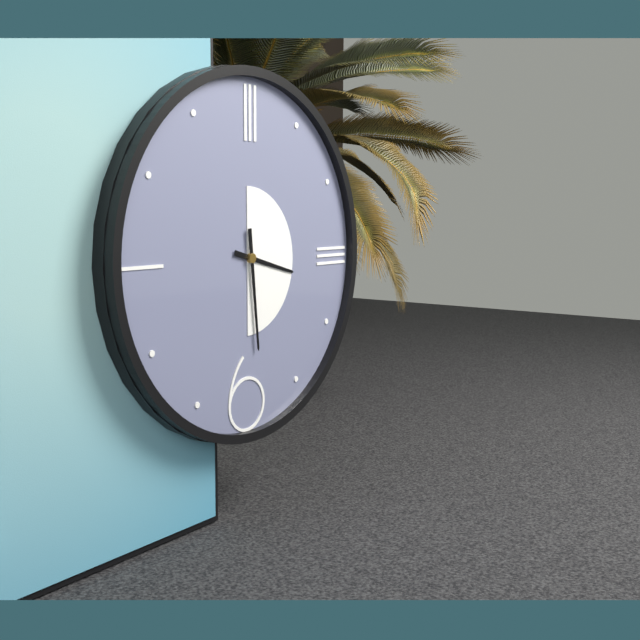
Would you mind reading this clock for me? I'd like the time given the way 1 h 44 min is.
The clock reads 3 h 29 min
